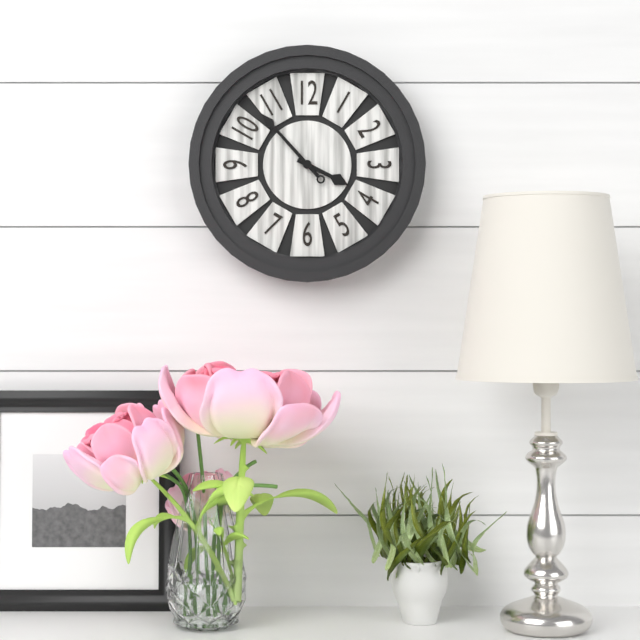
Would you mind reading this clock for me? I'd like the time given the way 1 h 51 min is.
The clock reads 3 h 53 min
